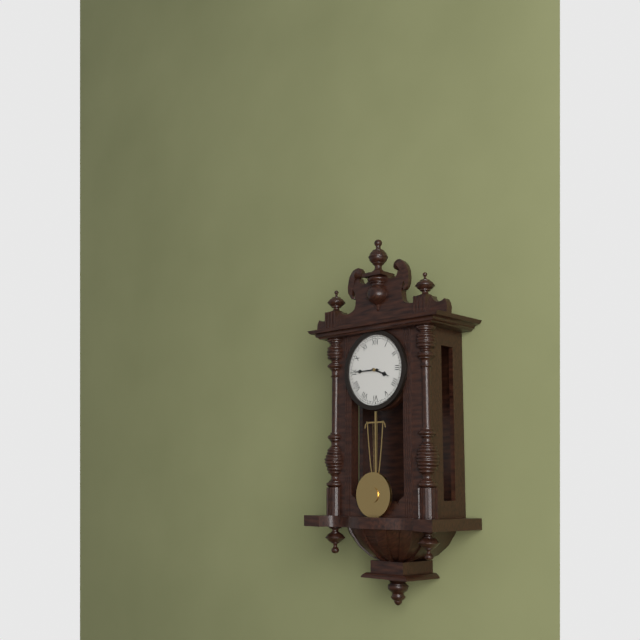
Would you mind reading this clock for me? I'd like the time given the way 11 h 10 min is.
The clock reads 3 h 45 min
